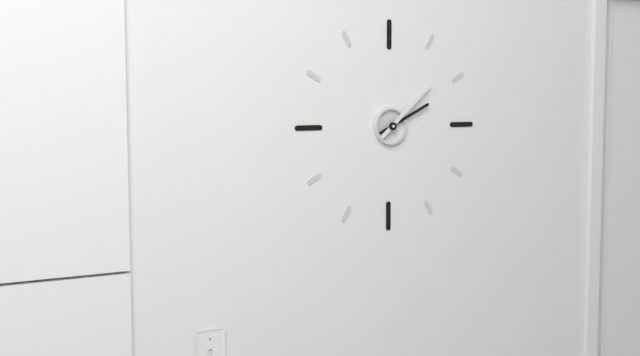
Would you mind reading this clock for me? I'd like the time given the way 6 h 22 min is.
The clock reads 2 h 08 min
